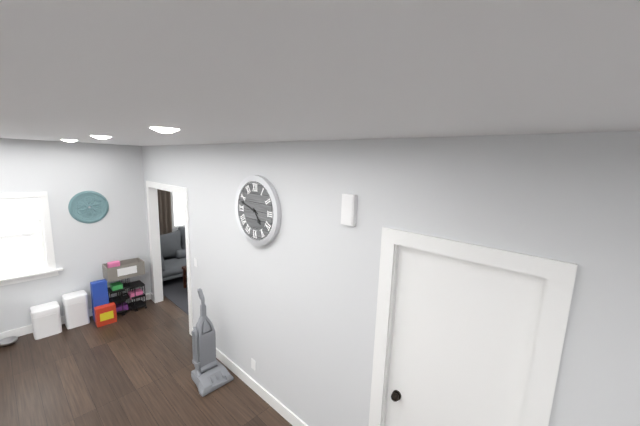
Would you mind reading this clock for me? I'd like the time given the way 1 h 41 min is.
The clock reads 4 h 48 min
